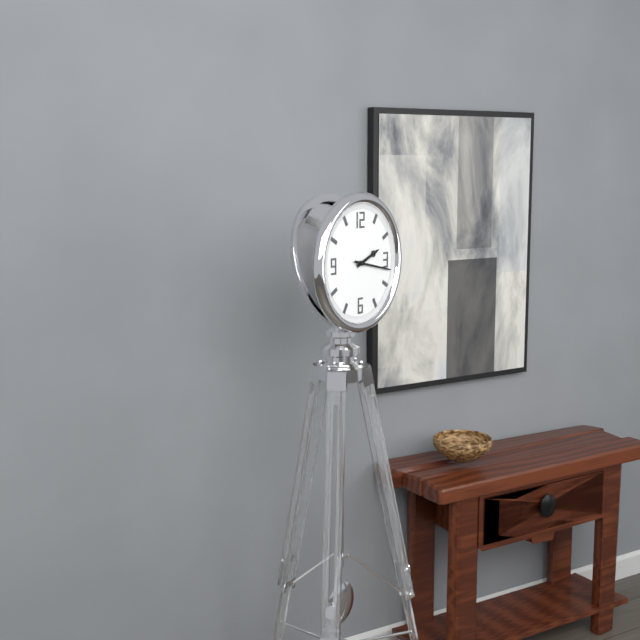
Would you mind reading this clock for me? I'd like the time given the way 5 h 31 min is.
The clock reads 2 h 17 min
